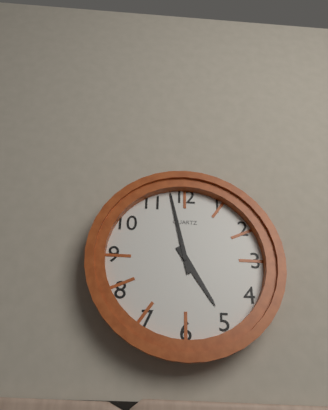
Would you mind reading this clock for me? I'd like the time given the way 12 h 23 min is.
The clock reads 4 h 58 min
